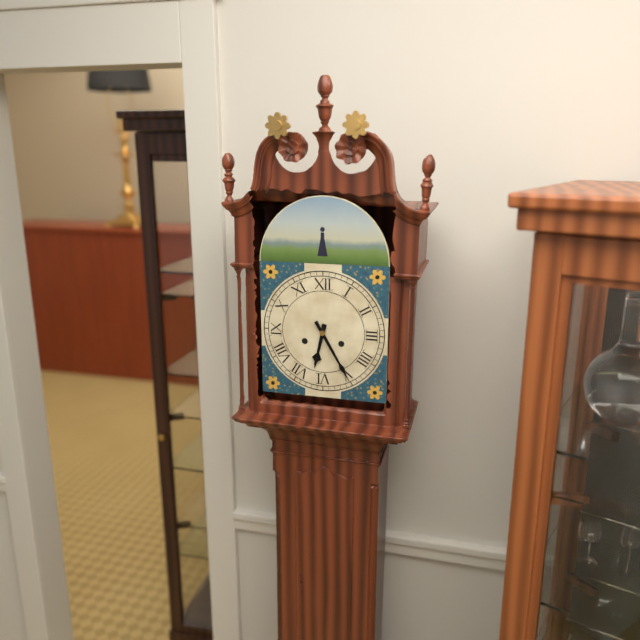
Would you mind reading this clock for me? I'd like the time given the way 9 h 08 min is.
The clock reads 6 h 25 min
